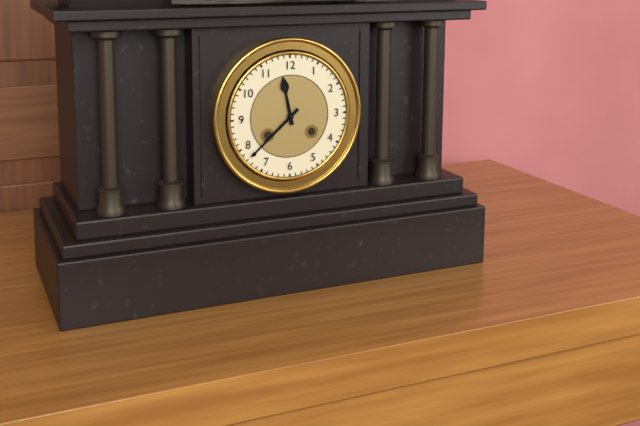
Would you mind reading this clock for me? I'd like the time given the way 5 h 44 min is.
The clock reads 11 h 38 min
